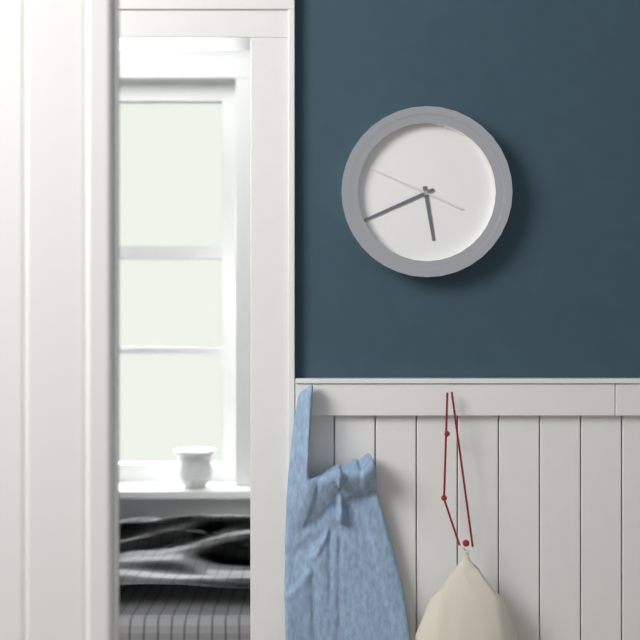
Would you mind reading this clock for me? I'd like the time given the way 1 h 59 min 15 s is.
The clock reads 5 h 41 min 49 s
